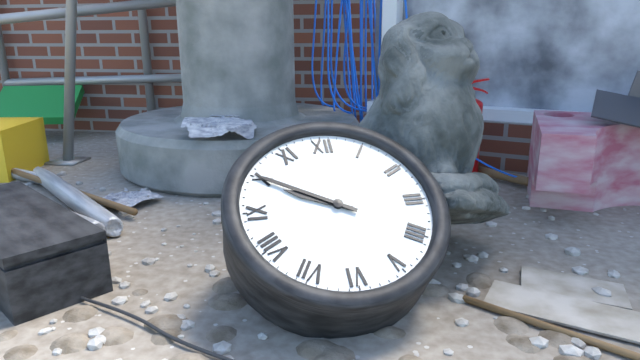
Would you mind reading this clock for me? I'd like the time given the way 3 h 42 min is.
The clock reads 9 h 50 min
